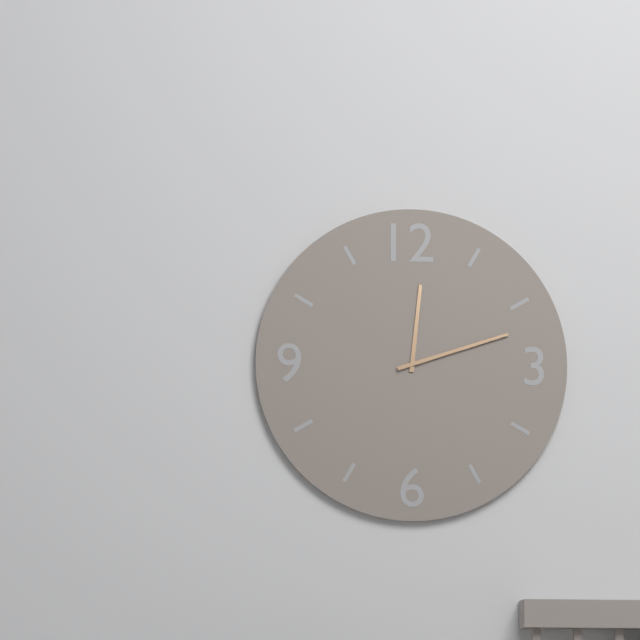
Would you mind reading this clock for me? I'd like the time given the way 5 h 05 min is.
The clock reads 12 h 12 min
